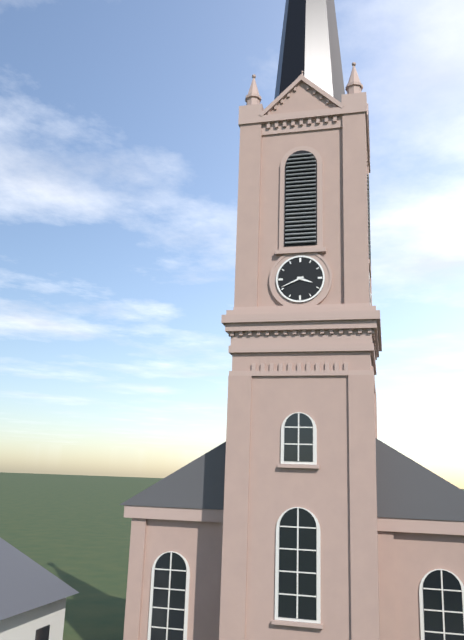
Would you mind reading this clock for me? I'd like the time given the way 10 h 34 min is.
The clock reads 3 h 41 min
